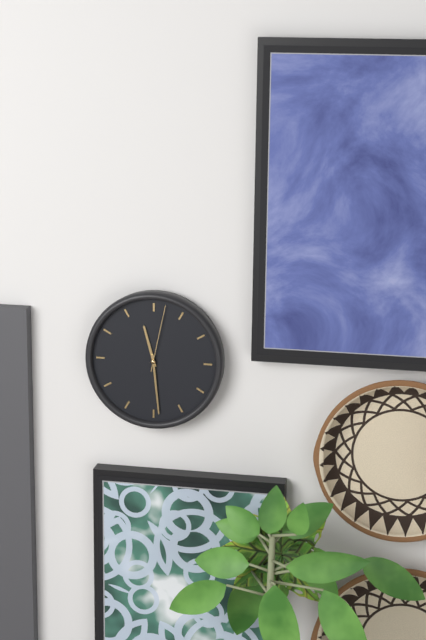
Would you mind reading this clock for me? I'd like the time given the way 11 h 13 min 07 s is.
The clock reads 11 h 29 min 02 s
